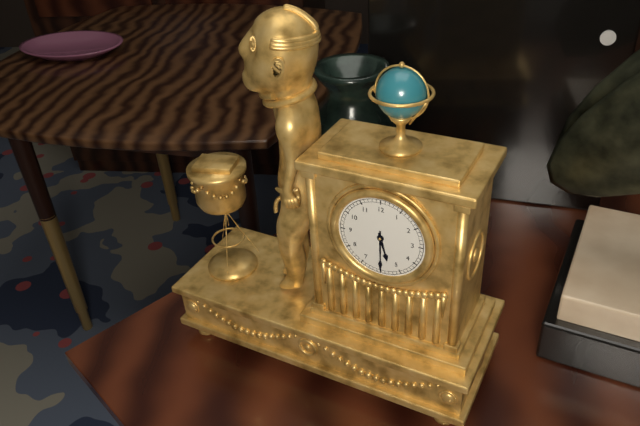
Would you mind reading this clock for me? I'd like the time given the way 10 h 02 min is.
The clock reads 5 h 30 min
